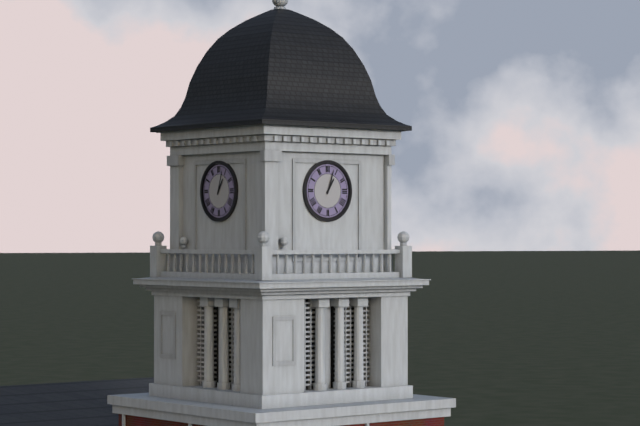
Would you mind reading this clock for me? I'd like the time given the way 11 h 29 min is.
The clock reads 1 h 03 min
